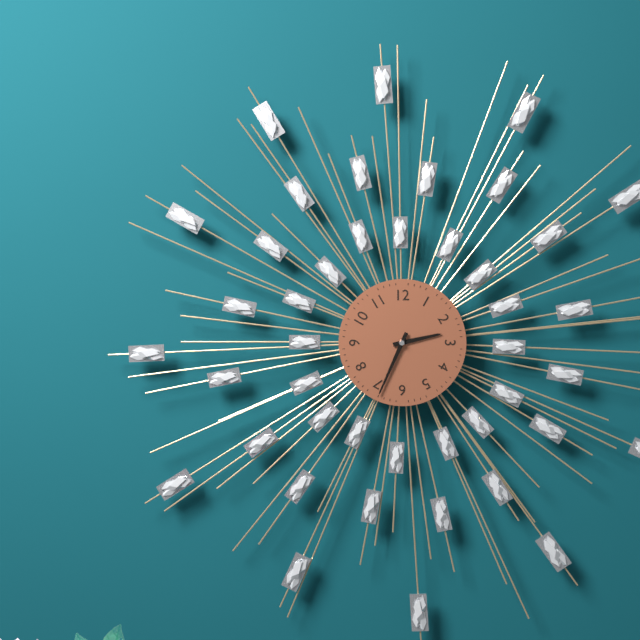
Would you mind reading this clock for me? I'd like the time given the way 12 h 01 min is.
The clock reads 2 h 34 min
